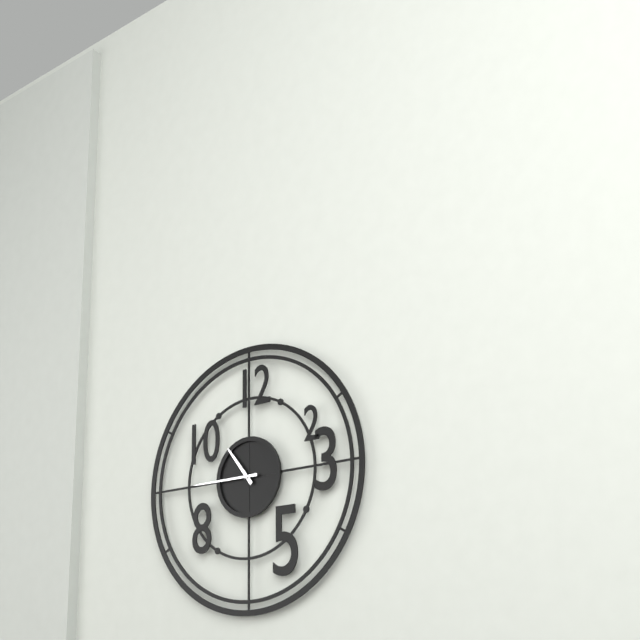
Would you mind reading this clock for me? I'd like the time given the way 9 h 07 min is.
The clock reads 10 h 45 min
